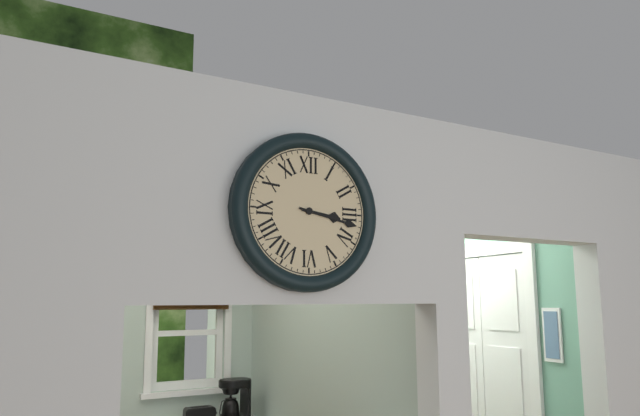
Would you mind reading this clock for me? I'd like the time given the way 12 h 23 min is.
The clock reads 3 h 17 min
